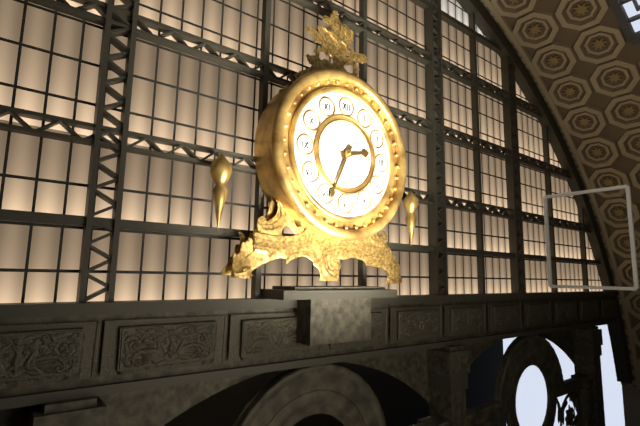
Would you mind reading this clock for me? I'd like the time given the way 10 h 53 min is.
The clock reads 2 h 34 min
